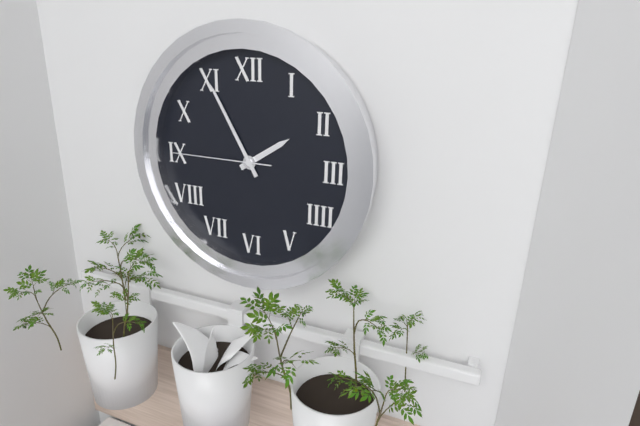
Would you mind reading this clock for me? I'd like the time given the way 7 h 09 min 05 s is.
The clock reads 1 h 55 min 45 s
